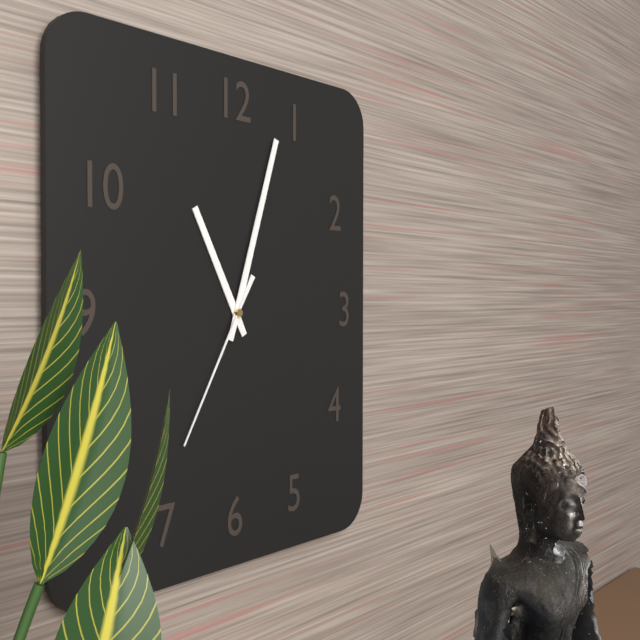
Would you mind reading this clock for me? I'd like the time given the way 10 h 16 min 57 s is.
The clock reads 11 h 03 min 35 s
